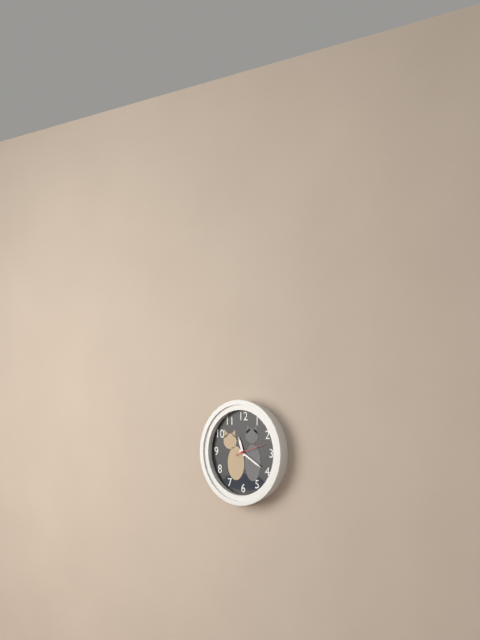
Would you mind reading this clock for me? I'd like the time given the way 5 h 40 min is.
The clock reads 11 h 20 min
